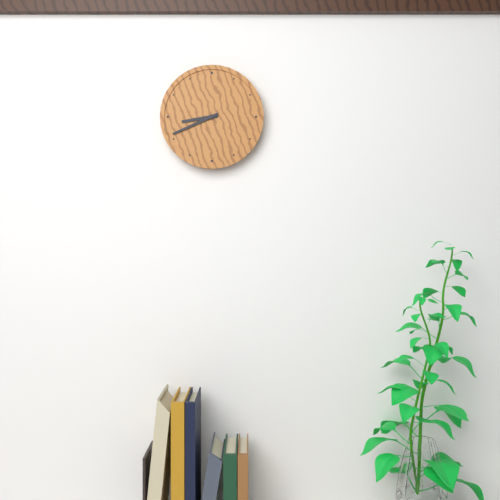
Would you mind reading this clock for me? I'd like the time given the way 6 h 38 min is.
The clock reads 8 h 41 min
